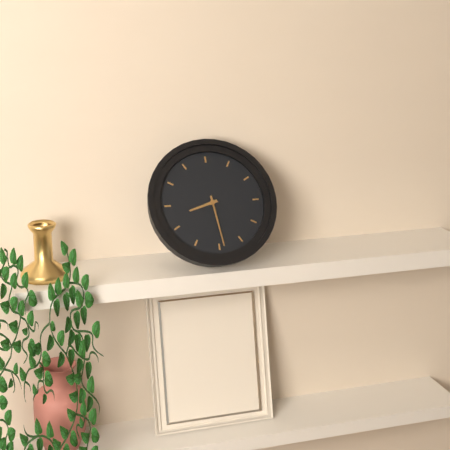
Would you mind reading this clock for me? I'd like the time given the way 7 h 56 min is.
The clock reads 8 h 29 min
